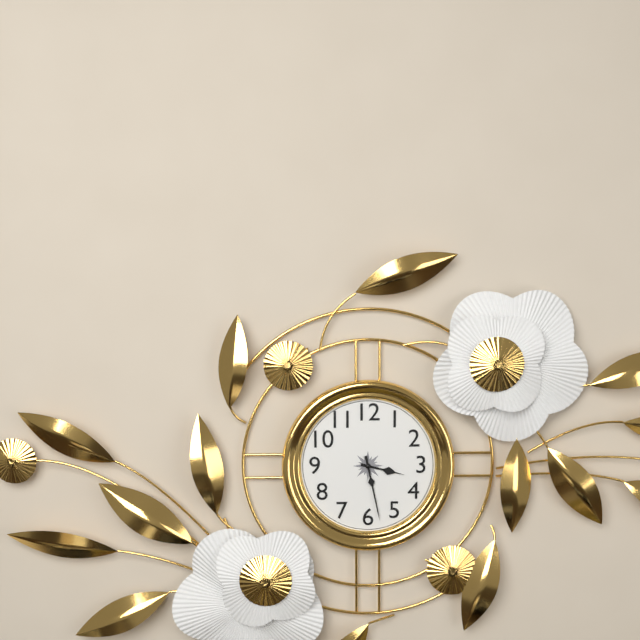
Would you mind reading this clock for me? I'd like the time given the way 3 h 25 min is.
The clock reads 3 h 28 min
